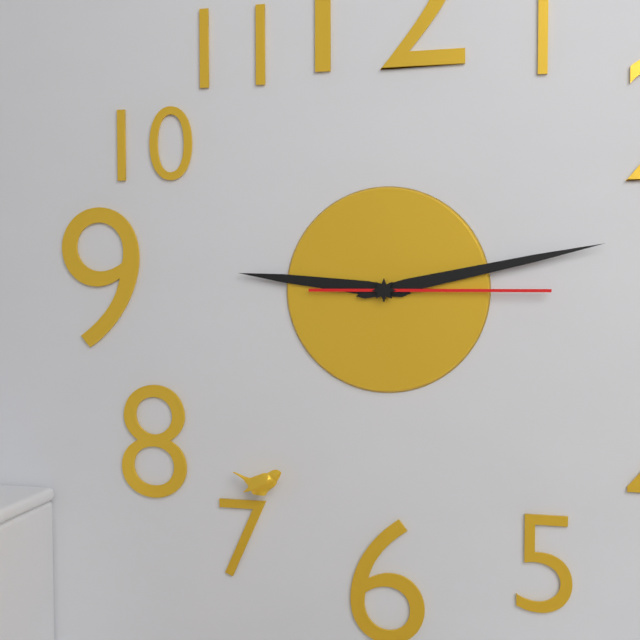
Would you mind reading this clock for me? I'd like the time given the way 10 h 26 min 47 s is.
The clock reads 9 h 13 min 15 s
